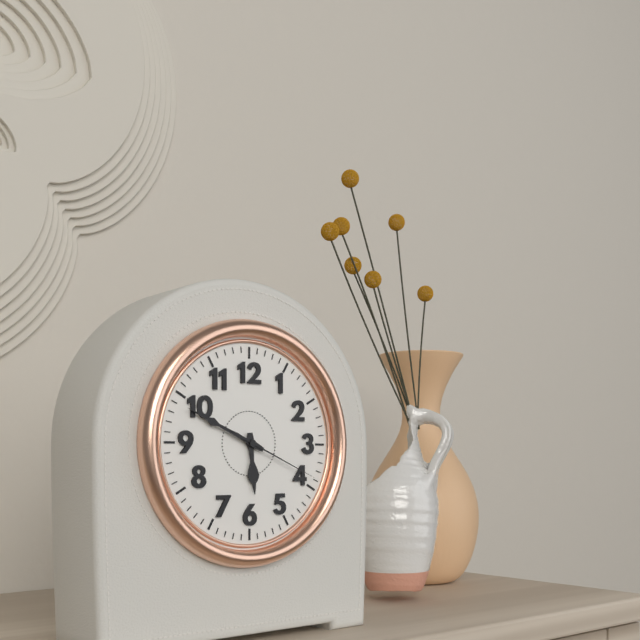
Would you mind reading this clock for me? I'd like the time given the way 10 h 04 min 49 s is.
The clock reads 5 h 49 min 19 s
